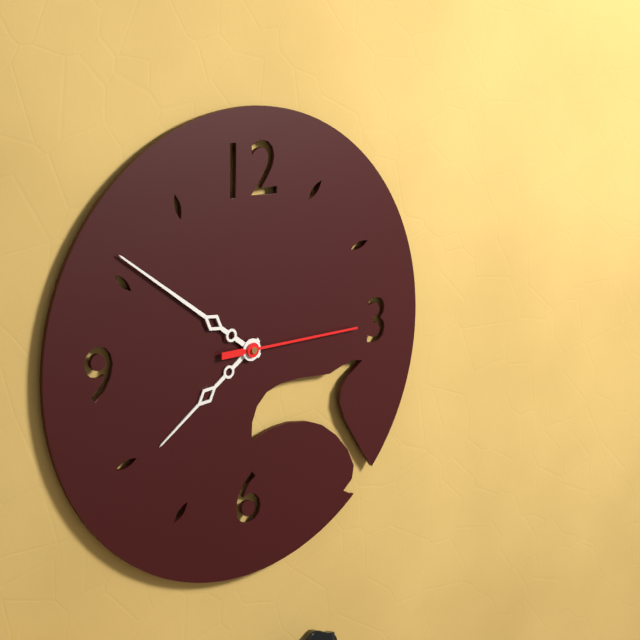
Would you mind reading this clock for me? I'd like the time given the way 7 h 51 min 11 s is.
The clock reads 7 h 51 min 15 s
